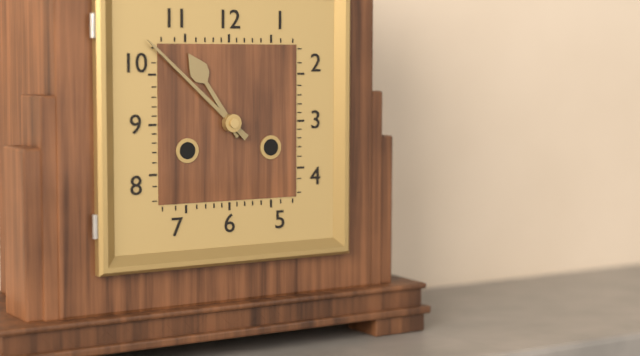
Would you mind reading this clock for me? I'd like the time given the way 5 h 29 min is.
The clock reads 10 h 52 min
